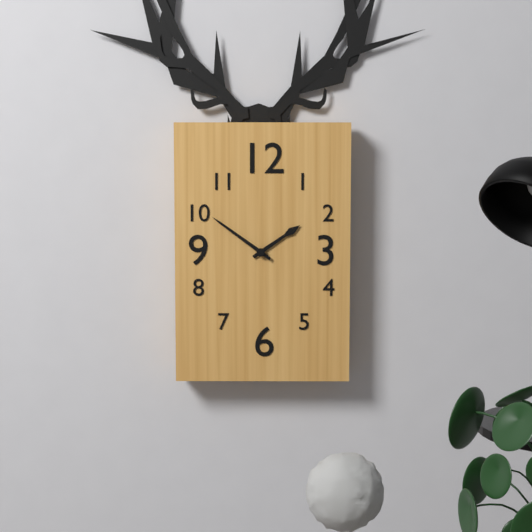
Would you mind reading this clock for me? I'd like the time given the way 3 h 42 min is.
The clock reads 1 h 51 min
